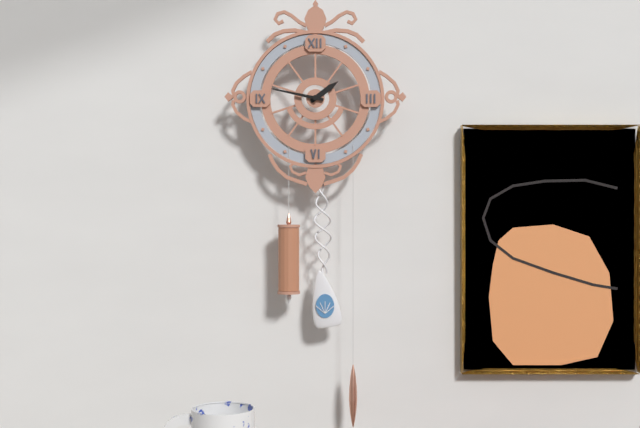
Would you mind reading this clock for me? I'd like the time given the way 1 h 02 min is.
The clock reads 1 h 47 min
